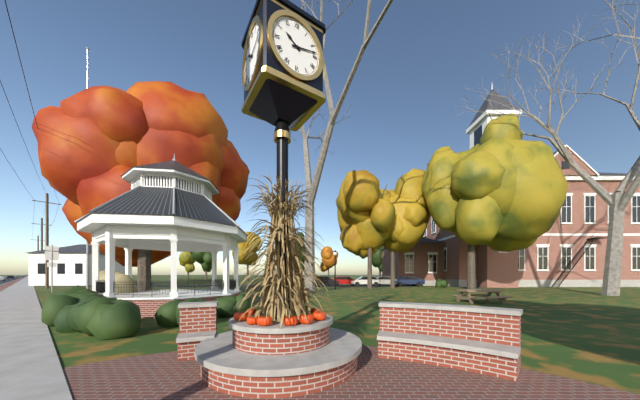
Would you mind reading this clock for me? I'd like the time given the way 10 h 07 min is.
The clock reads 10 h 13 min
